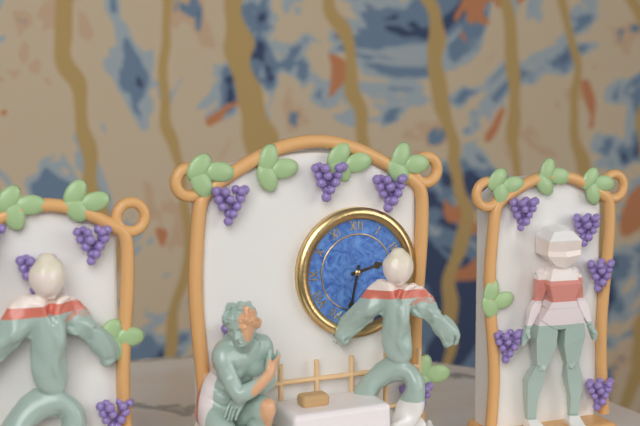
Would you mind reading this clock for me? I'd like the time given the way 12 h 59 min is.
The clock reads 2 h 32 min
